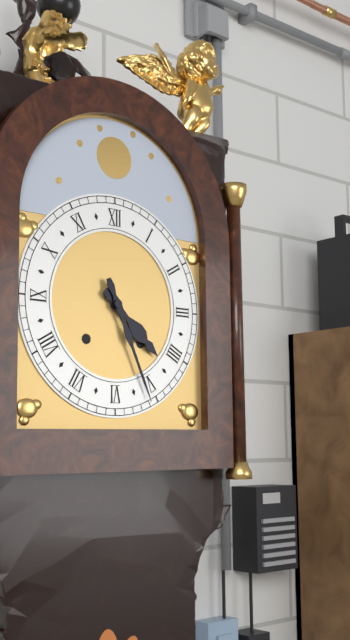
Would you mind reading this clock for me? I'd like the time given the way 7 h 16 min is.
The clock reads 4 h 26 min
